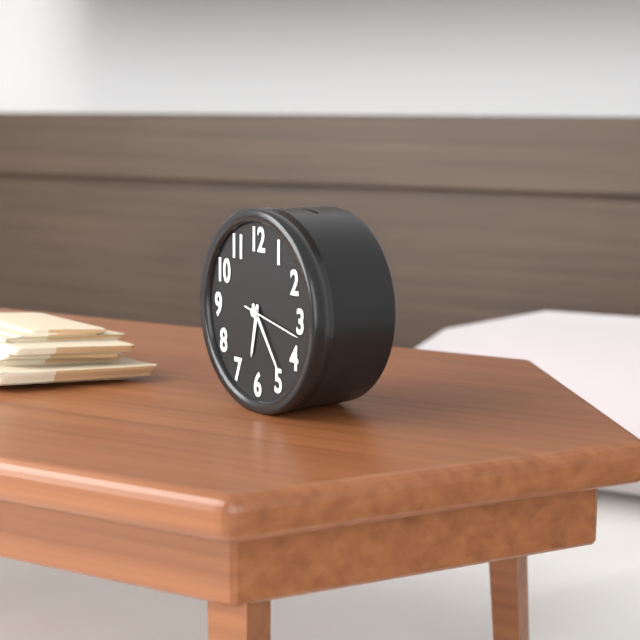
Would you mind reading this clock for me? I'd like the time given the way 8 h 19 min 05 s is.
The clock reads 6 h 24 min 17 s
